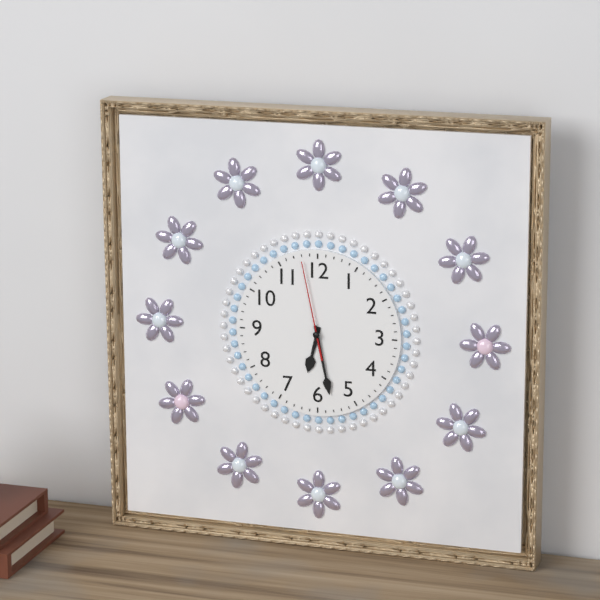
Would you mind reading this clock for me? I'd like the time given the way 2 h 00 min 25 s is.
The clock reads 6 h 28 min 58 s
